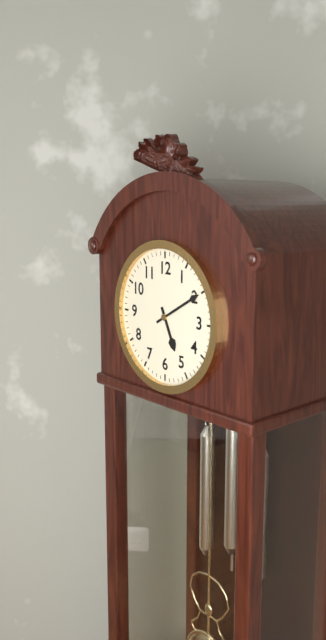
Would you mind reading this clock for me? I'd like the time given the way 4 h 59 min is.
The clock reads 5 h 10 min
